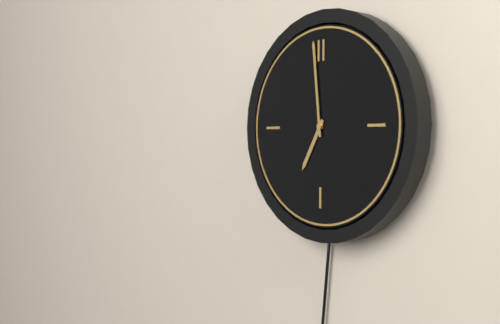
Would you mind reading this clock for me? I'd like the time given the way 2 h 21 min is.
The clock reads 6 h 59 min
